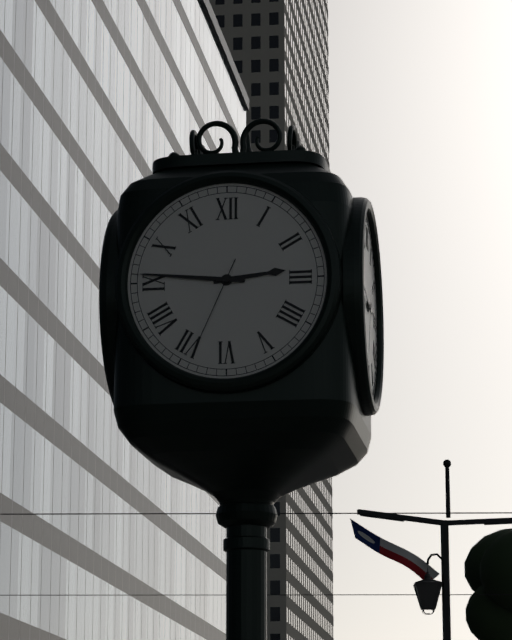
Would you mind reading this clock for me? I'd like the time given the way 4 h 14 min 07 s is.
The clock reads 2 h 46 min 34 s
